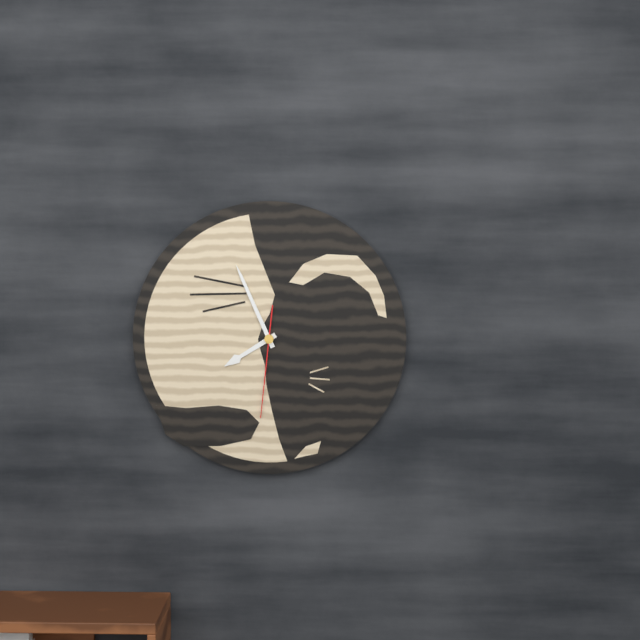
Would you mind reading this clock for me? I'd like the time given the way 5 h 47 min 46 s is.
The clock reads 7 h 56 min 31 s
